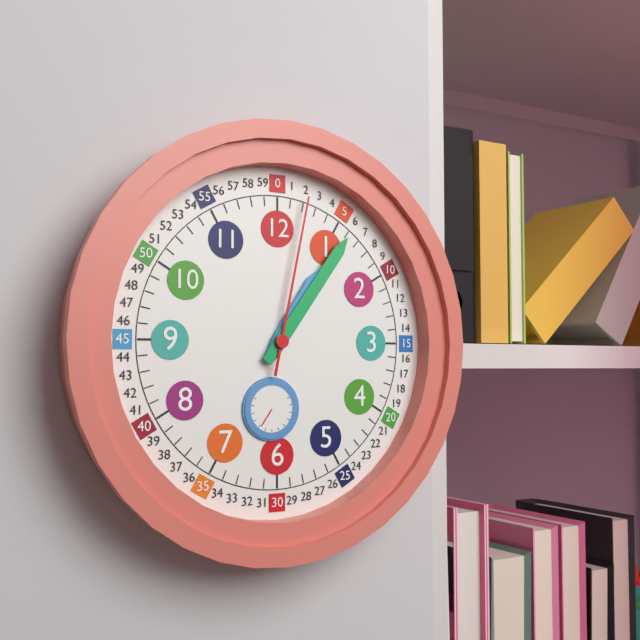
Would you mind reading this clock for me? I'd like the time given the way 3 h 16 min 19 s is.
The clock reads 1 h 06 min 02 s
